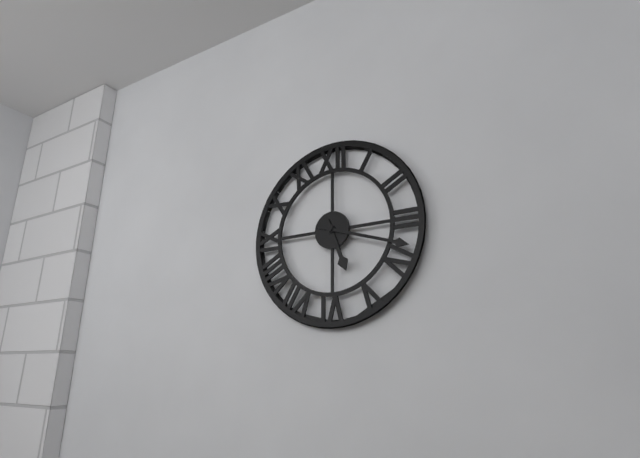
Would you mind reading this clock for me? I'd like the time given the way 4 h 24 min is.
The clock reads 5 h 18 min
